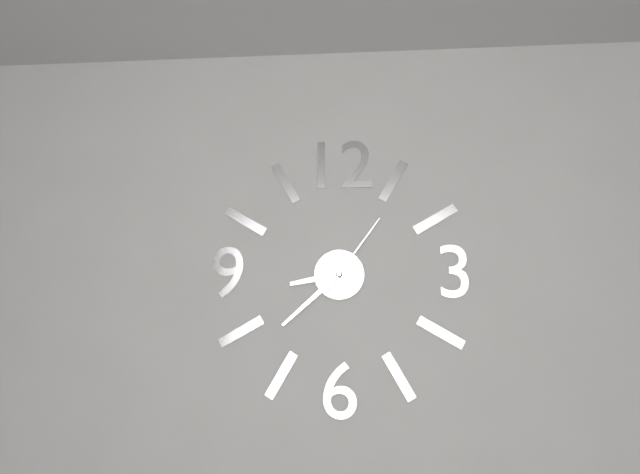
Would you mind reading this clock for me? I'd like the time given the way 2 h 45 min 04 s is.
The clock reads 8 h 38 min 06 s
